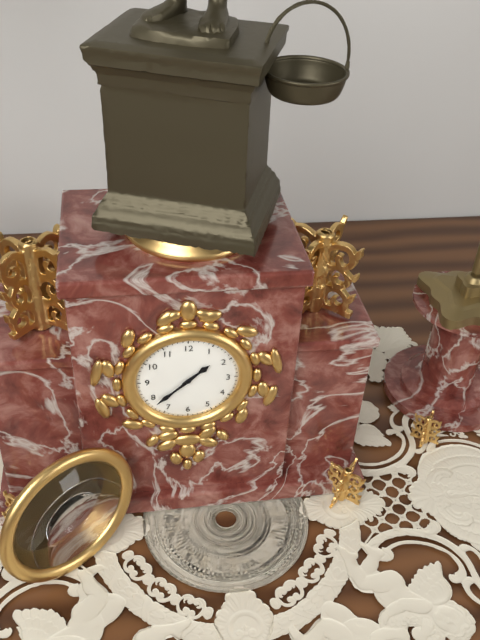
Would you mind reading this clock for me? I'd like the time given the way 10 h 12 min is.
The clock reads 1 h 38 min
